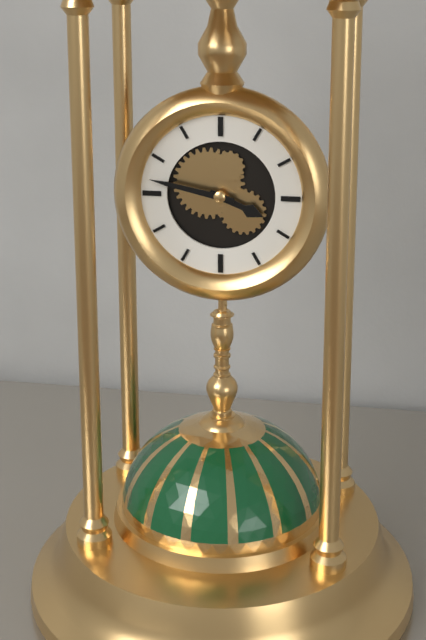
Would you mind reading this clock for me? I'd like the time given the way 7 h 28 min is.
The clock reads 3 h 47 min
